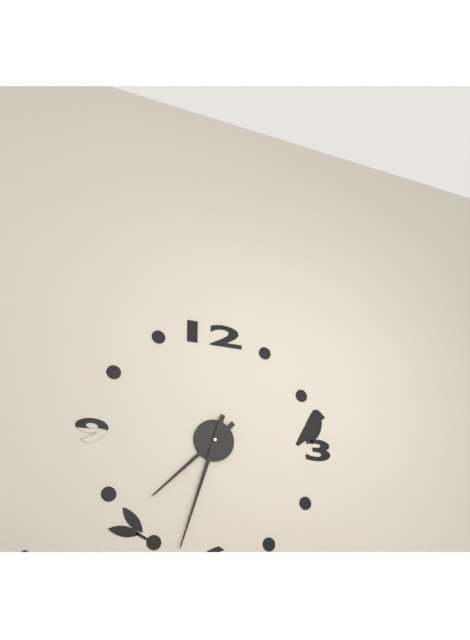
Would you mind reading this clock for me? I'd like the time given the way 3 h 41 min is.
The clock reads 7 h 33 min
